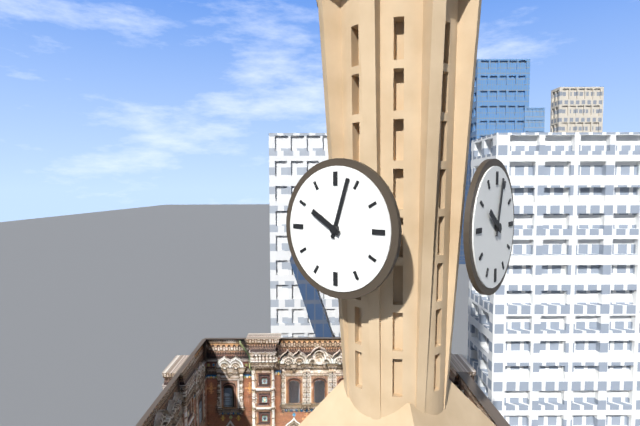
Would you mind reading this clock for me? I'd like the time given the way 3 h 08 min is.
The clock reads 10 h 03 min
